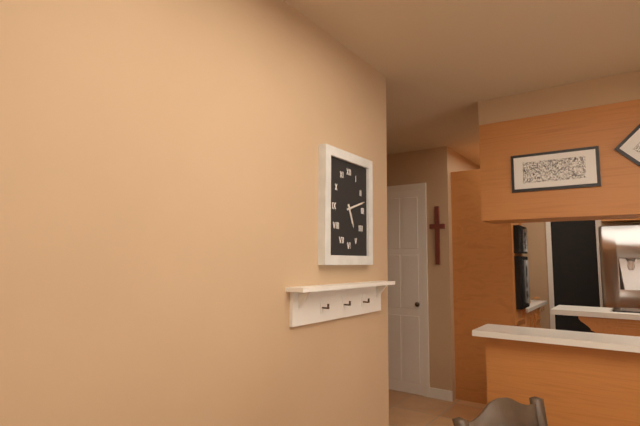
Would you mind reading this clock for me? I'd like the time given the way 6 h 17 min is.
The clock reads 5 h 12 min
